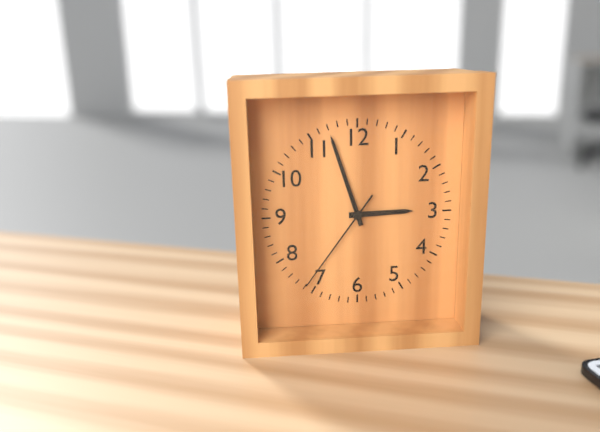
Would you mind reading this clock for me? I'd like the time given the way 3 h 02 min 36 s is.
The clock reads 2 h 57 min 36 s
